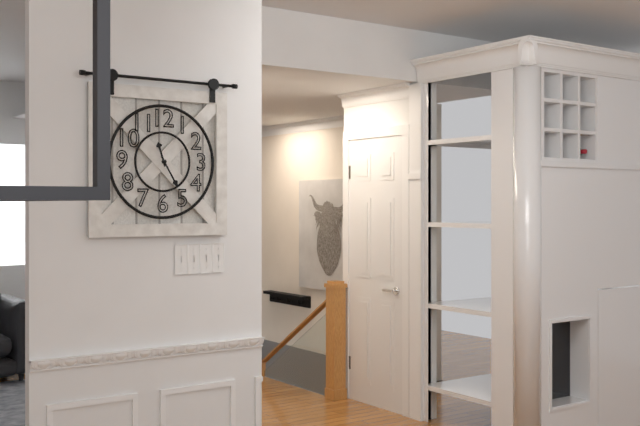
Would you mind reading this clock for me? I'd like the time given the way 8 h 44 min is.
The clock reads 11 h 25 min
